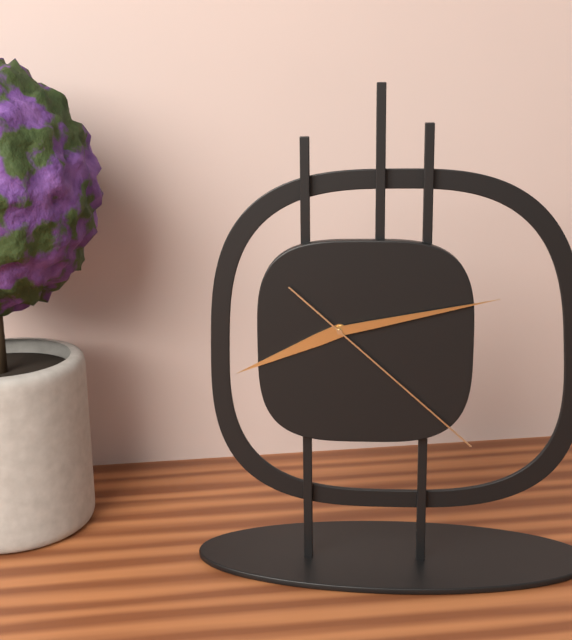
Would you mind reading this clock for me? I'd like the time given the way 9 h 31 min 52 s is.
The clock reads 8 h 13 min 22 s
